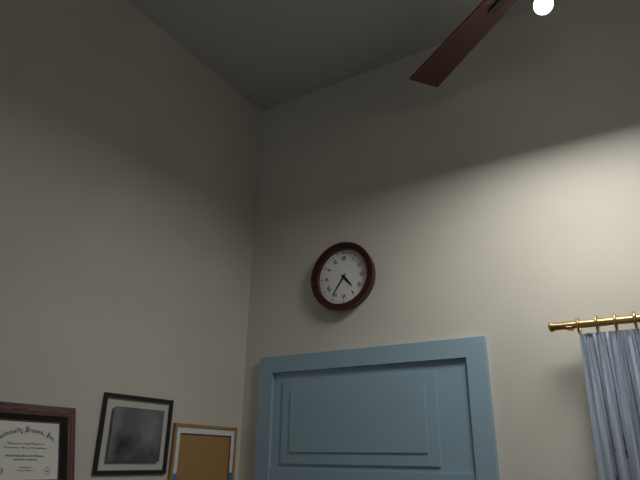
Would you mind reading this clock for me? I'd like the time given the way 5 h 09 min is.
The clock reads 4 h 36 min
